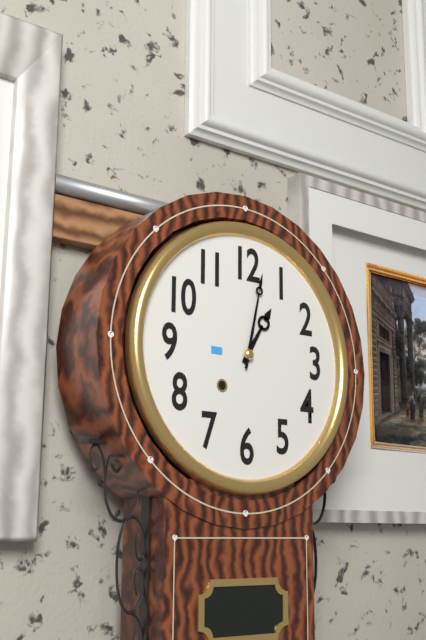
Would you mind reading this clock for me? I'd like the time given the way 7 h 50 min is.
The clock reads 1 h 02 min
